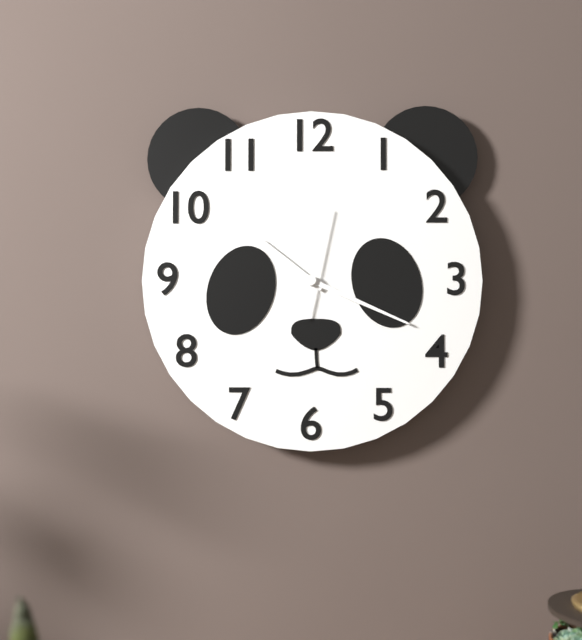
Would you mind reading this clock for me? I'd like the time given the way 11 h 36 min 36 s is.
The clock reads 10 h 19 min 02 s
